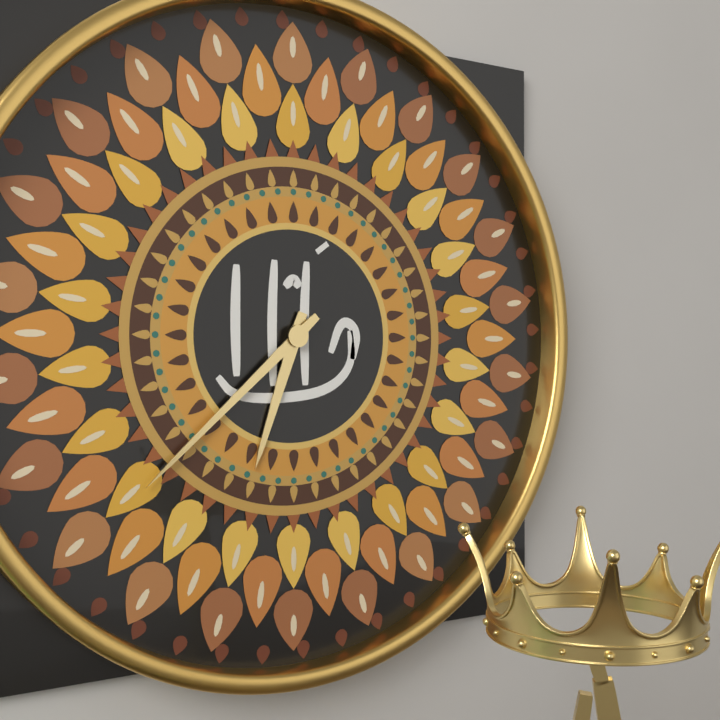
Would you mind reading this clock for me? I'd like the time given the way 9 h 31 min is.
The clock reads 6 h 38 min
